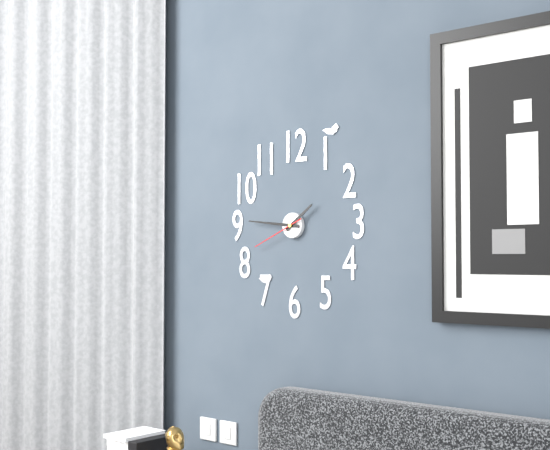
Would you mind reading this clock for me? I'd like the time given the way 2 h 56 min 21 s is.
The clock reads 1 h 46 min 41 s
